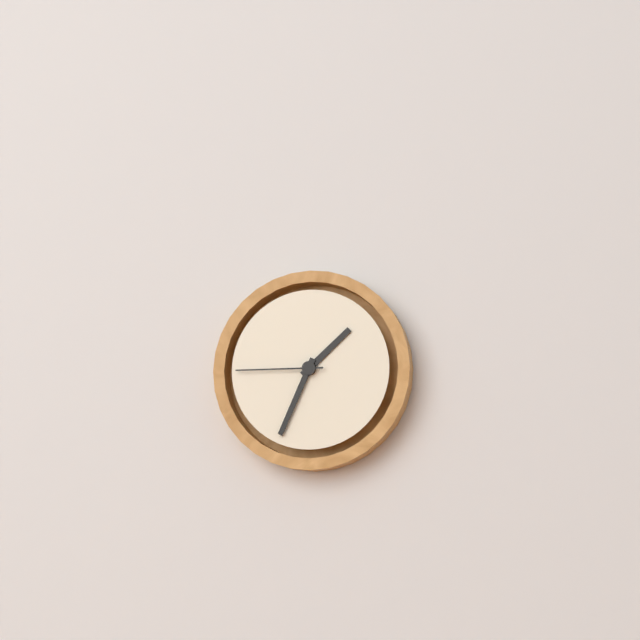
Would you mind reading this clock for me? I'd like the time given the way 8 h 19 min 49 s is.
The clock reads 1 h 34 min 45 s
